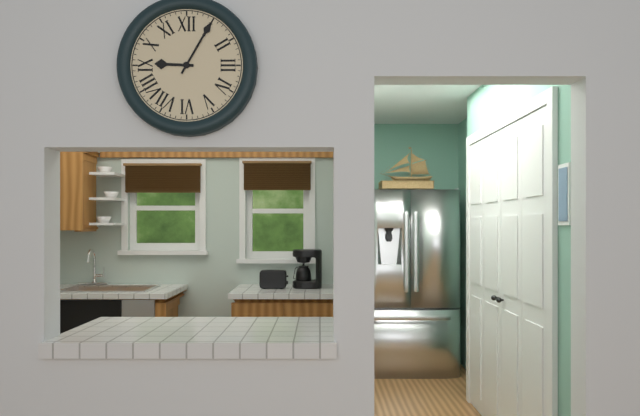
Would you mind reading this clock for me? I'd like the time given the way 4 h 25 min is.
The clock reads 9 h 05 min
